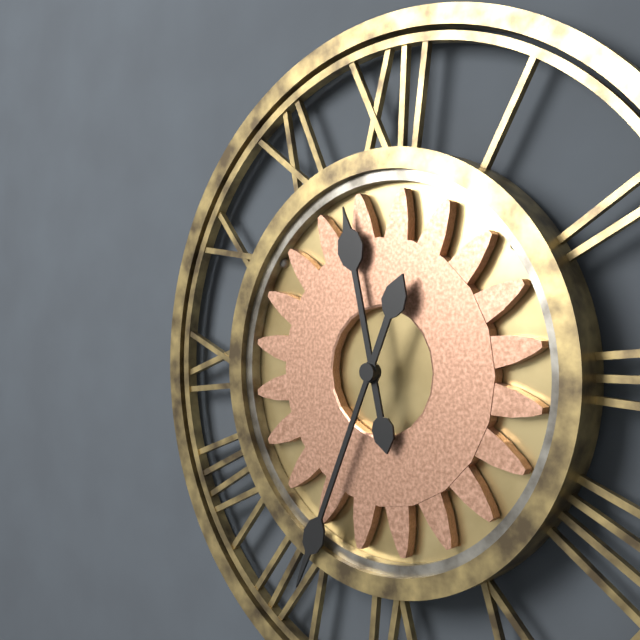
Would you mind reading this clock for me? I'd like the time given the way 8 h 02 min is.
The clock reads 11 h 34 min
